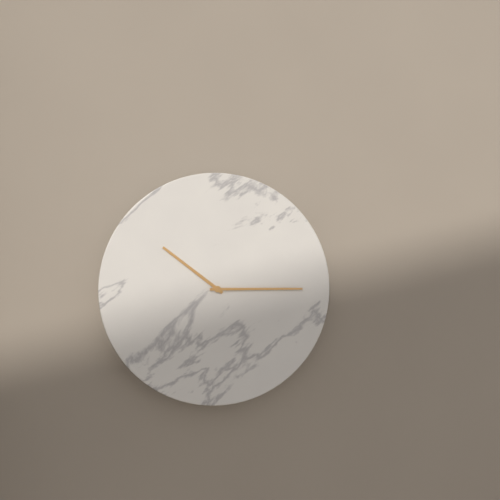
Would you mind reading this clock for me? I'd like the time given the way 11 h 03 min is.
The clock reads 10 h 15 min
